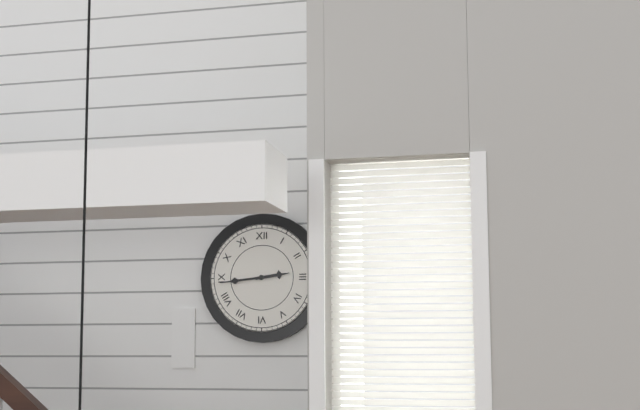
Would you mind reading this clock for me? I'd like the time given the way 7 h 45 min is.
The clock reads 2 h 44 min
